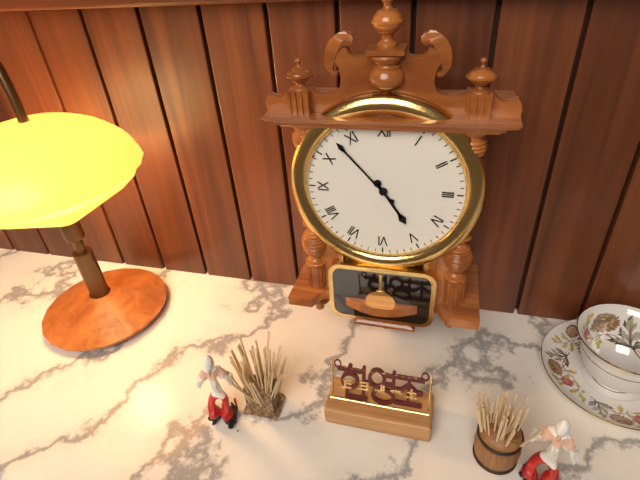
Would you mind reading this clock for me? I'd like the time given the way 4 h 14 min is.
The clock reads 4 h 53 min
